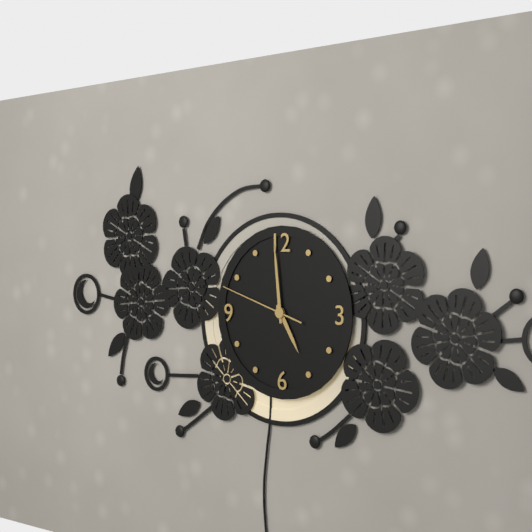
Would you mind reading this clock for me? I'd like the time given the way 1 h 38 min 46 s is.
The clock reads 4 h 59 min 48 s
